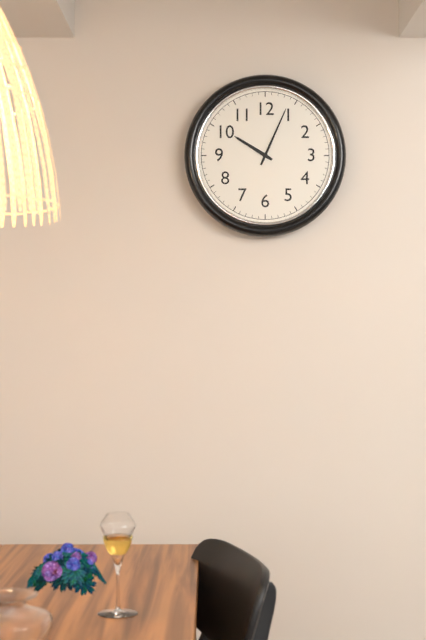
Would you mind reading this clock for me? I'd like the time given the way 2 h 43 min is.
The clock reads 10 h 04 min
